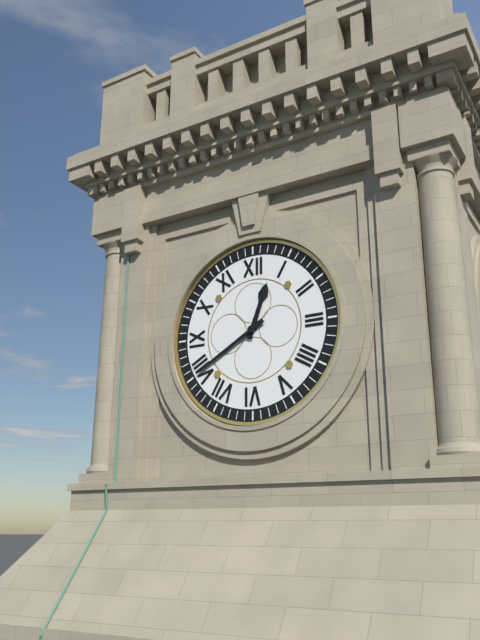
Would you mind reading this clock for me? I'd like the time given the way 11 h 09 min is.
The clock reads 12 h 40 min
